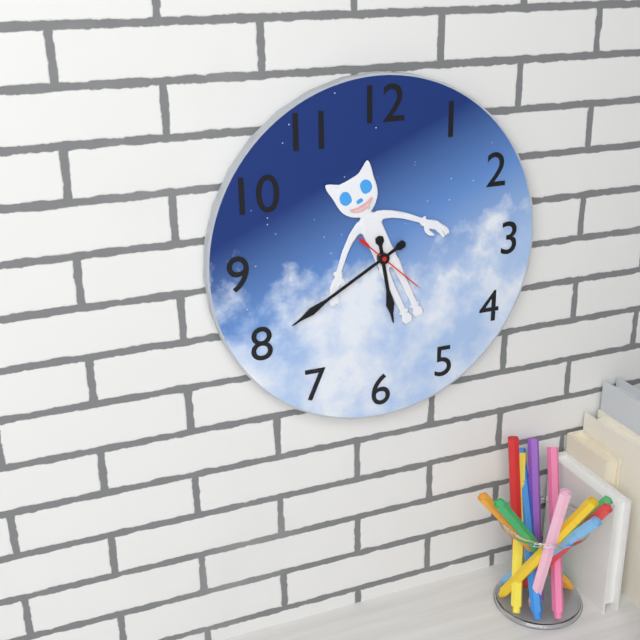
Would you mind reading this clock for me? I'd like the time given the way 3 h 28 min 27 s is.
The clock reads 5 h 40 min 22 s
